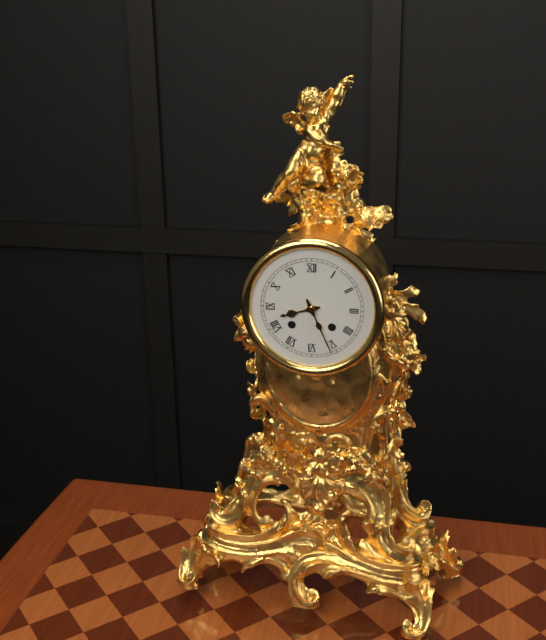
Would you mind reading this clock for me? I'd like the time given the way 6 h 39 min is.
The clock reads 8 h 26 min
